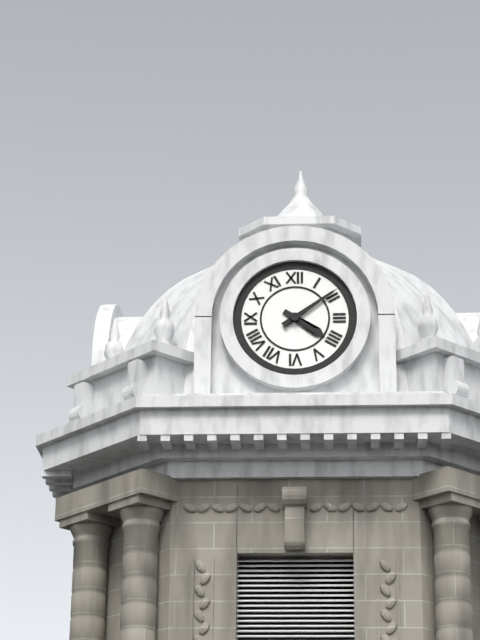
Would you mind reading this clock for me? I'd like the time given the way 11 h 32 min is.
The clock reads 4 h 09 min
